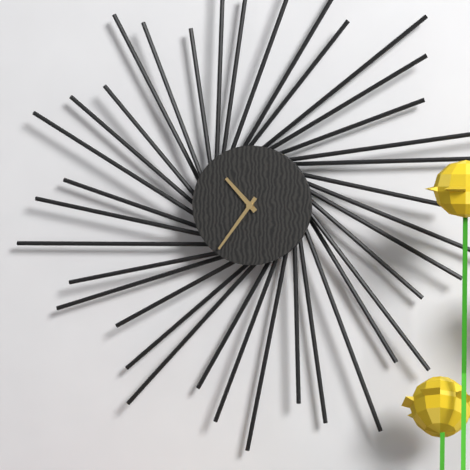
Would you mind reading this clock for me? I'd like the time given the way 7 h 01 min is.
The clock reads 10 h 36 min
